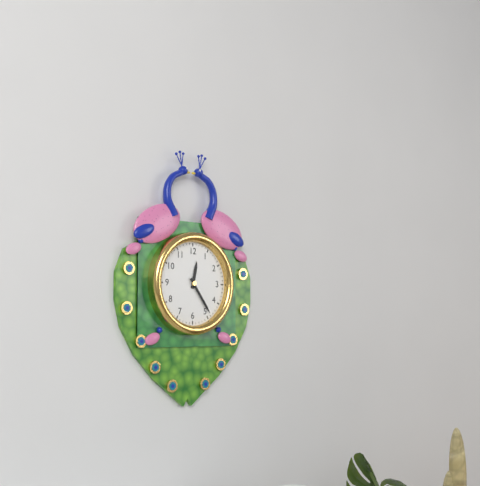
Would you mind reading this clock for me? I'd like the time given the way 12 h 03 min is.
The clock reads 12 h 24 min
